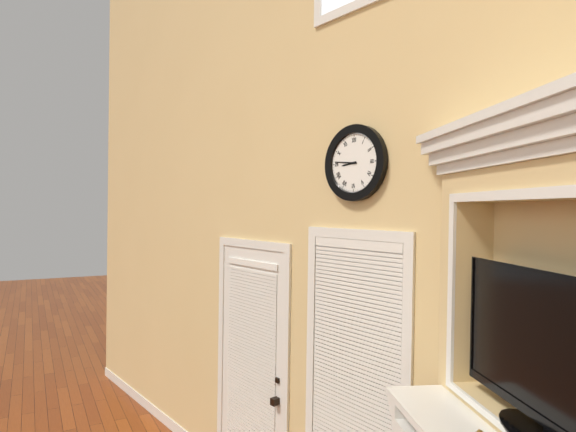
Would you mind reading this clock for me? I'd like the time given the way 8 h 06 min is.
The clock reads 8 h 46 min
